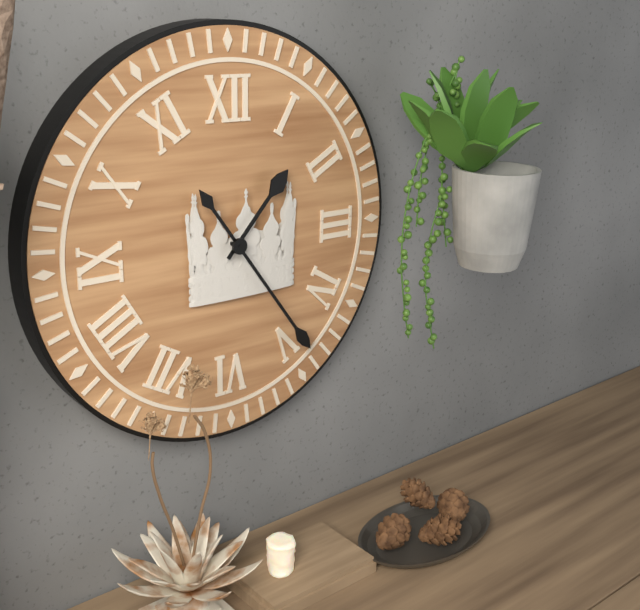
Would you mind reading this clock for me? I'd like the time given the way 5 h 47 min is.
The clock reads 1 h 24 min
